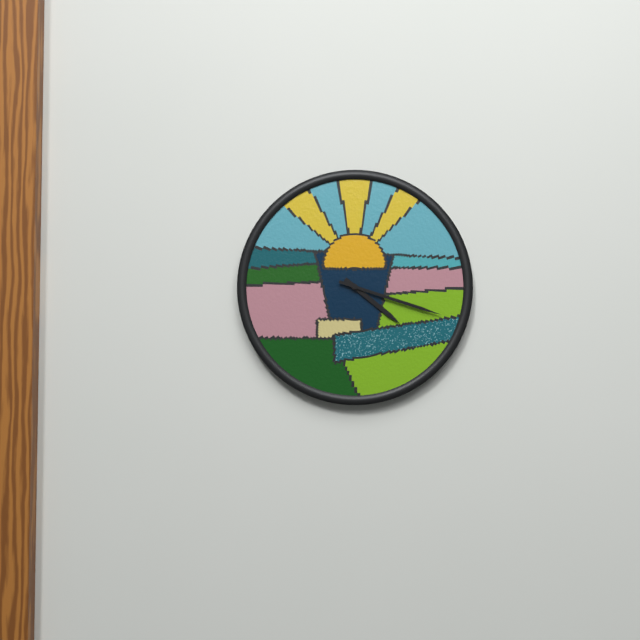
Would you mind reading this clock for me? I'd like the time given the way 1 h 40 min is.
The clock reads 4 h 18 min
